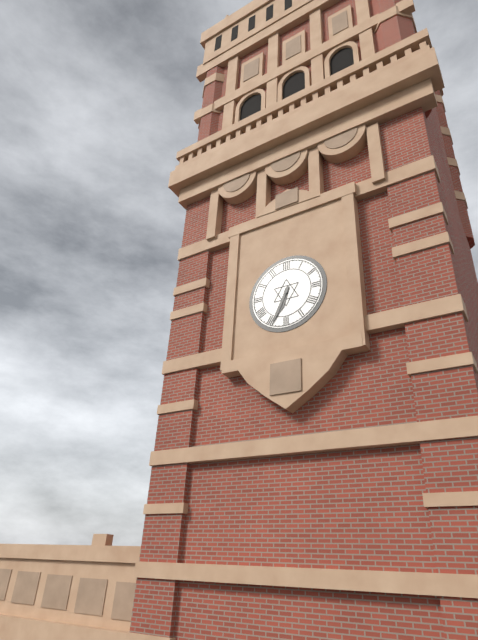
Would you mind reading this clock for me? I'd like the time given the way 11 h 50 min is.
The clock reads 6 h 34 min
